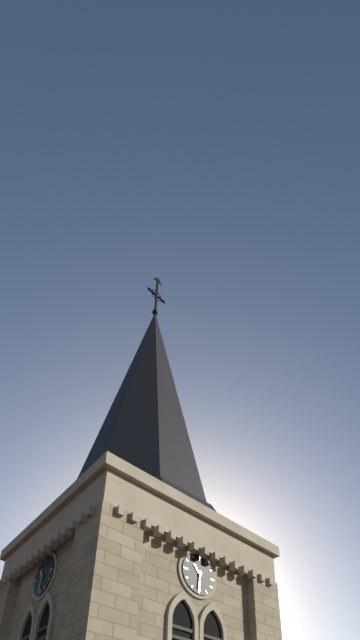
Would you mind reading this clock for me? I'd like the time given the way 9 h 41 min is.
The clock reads 10 h 31 min
